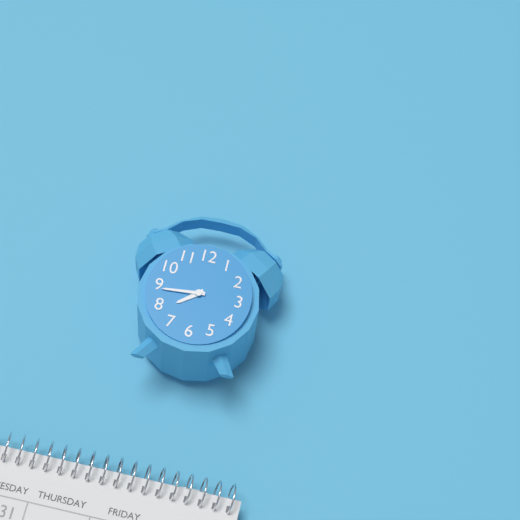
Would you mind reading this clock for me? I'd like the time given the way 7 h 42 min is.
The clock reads 7 h 44 min
